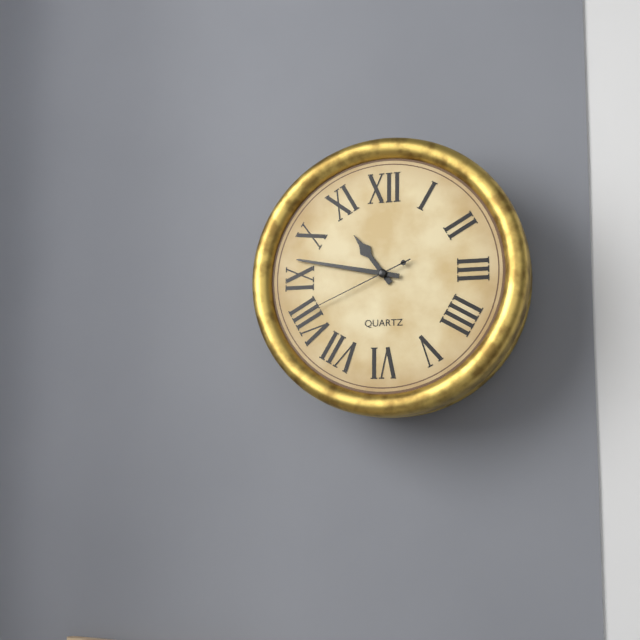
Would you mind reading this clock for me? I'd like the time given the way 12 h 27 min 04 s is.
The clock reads 10 h 47 min 41 s
